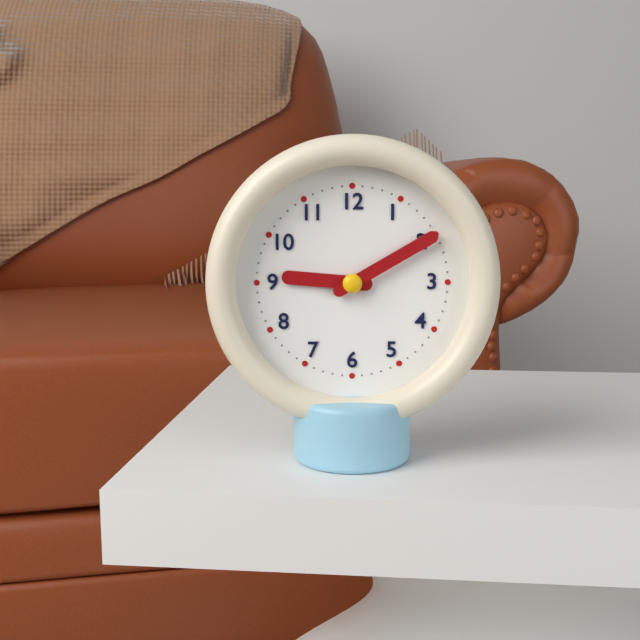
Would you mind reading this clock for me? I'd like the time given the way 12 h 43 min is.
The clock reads 9 h 10 min
